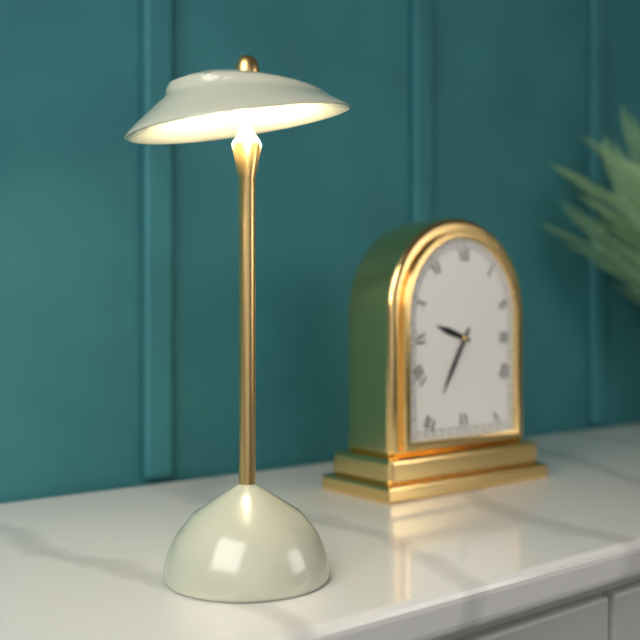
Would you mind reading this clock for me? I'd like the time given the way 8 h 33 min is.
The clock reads 9 h 35 min
